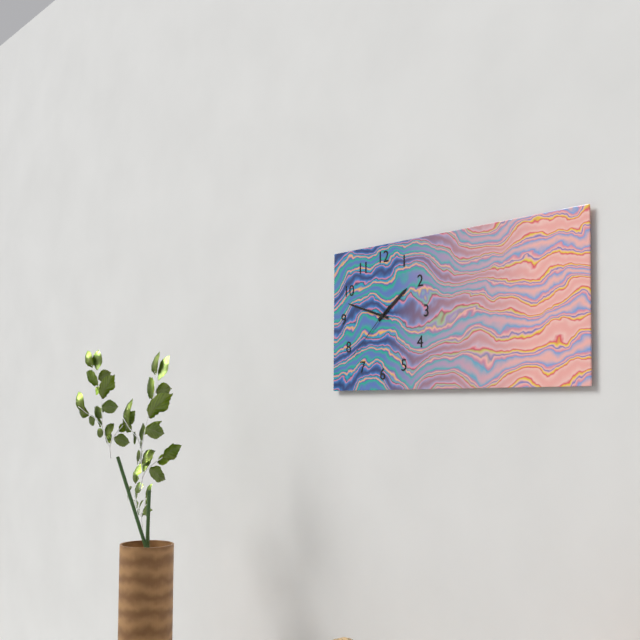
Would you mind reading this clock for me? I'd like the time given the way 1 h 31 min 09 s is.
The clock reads 1 h 48 min 38 s
